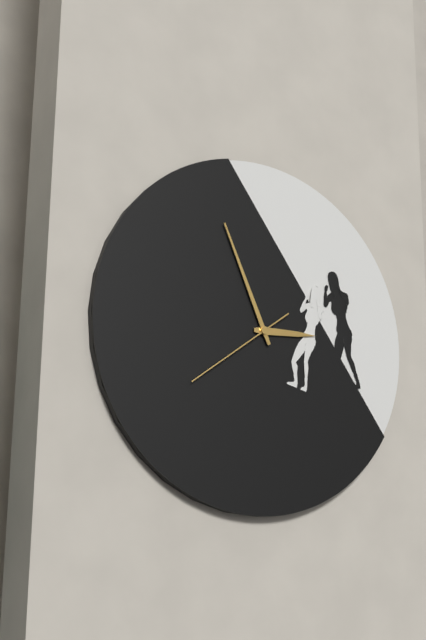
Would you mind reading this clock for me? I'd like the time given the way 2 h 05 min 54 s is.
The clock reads 2 h 56 min 39 s
